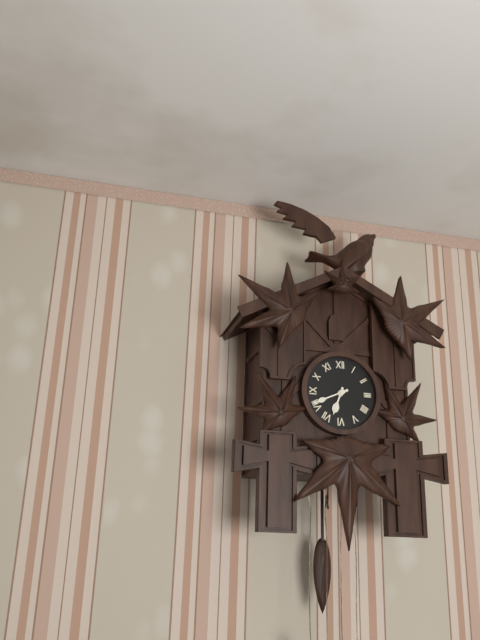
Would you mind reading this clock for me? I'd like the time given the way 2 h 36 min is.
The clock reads 6 h 41 min
